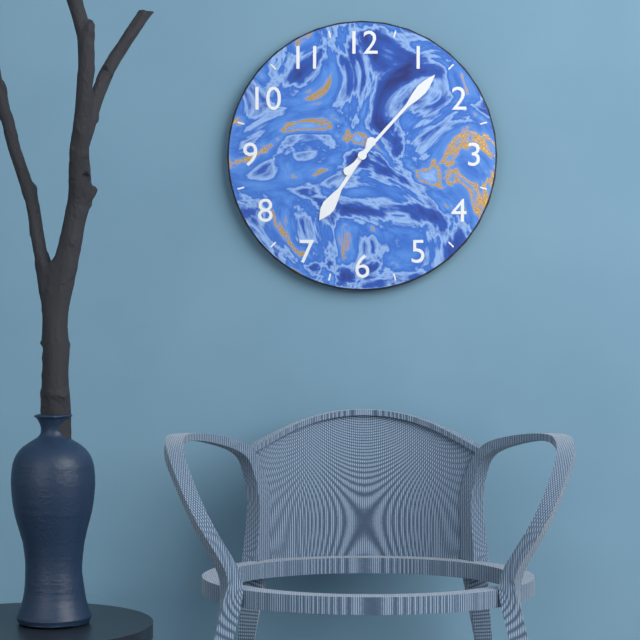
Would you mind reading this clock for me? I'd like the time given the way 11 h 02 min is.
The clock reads 7 h 07 min
